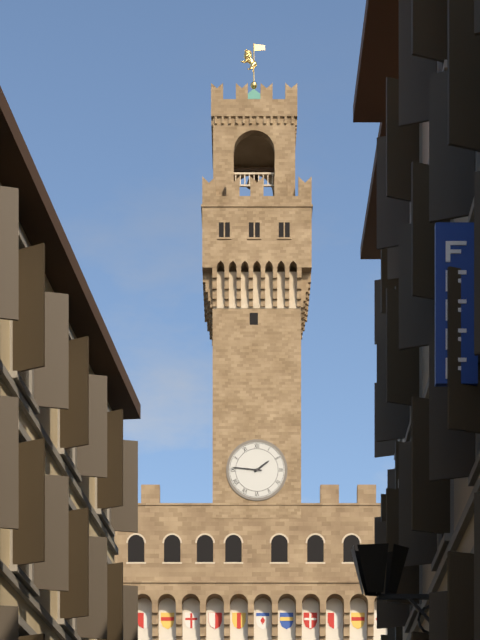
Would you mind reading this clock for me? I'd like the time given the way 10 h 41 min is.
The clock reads 1 h 46 min
